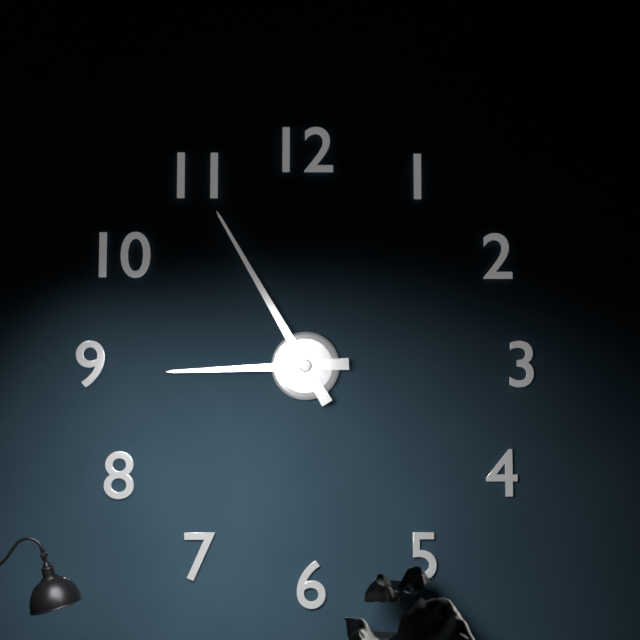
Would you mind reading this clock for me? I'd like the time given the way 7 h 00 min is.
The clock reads 8 h 55 min
